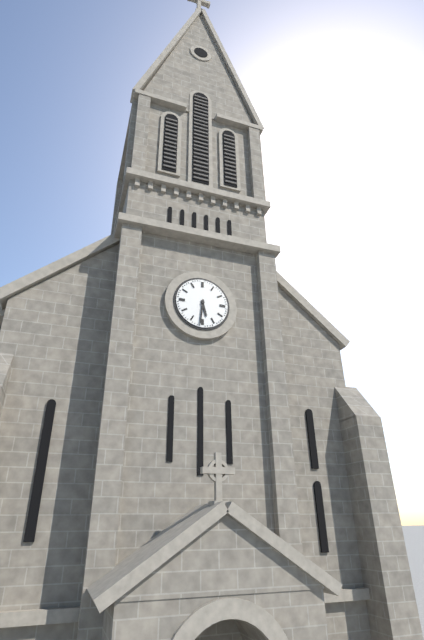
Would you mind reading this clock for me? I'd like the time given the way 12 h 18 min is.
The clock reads 5 h 31 min
